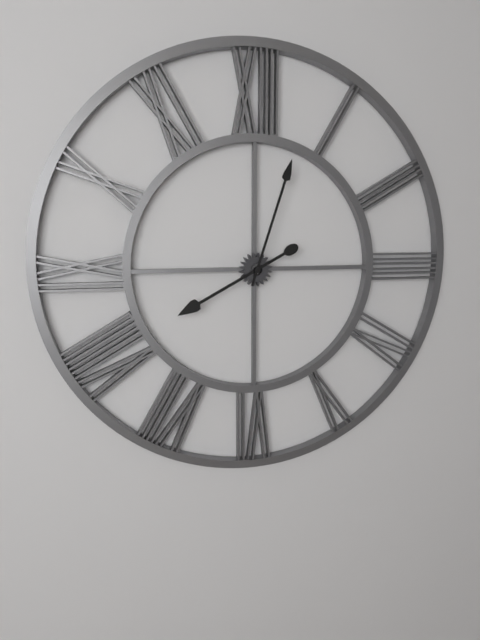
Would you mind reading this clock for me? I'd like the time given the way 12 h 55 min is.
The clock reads 8 h 03 min
